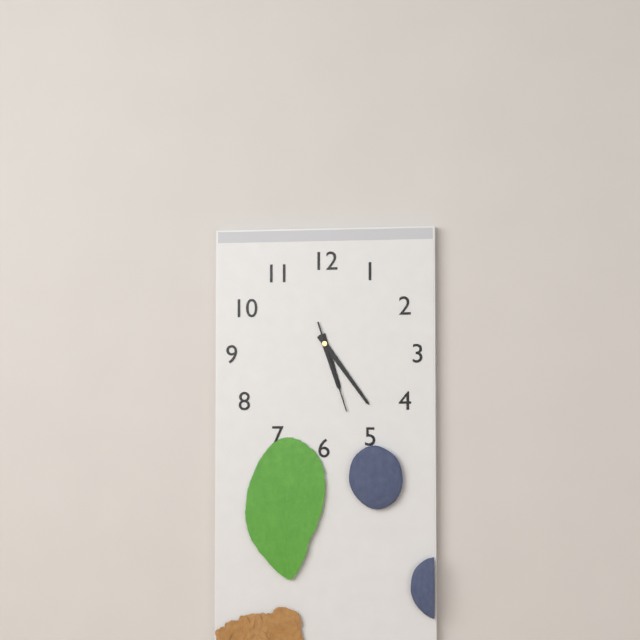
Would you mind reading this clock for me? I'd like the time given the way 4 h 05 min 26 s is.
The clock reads 5 h 24 min 27 s
